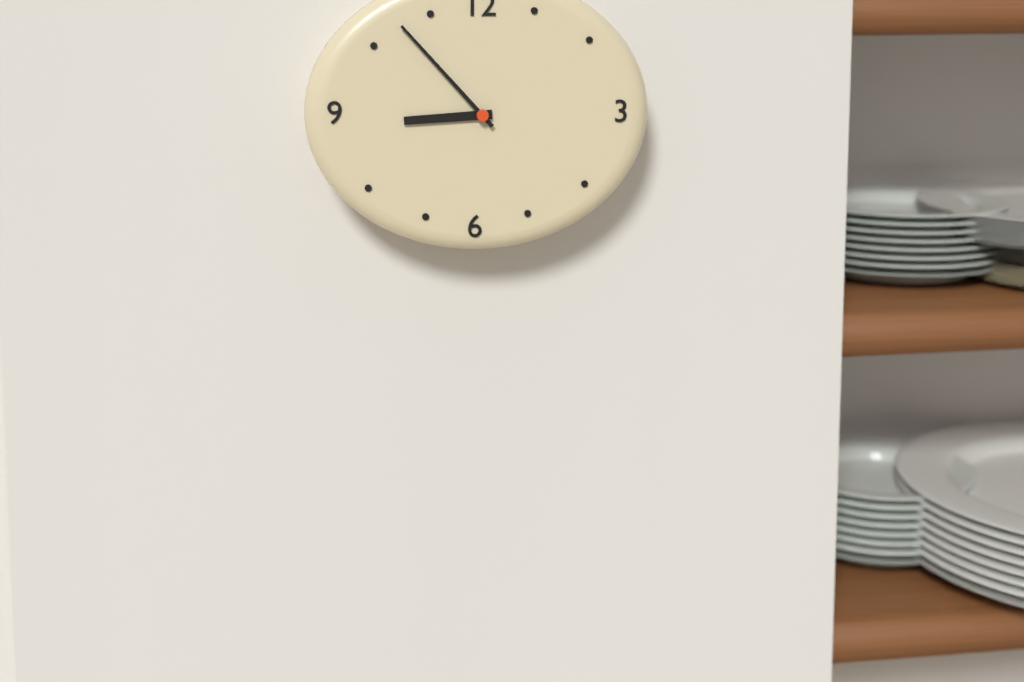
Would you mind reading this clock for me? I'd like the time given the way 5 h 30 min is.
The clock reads 8 h 53 min
